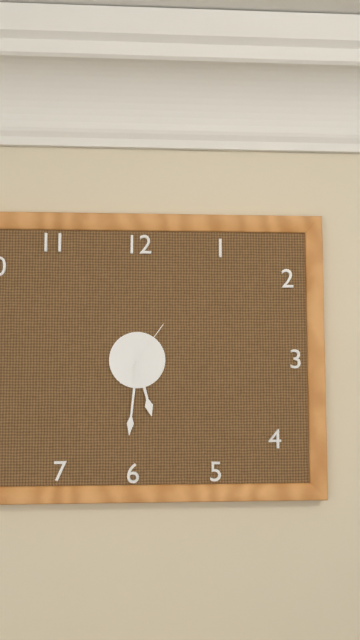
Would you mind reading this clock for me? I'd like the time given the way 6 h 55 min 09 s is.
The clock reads 5 h 31 min 06 s
